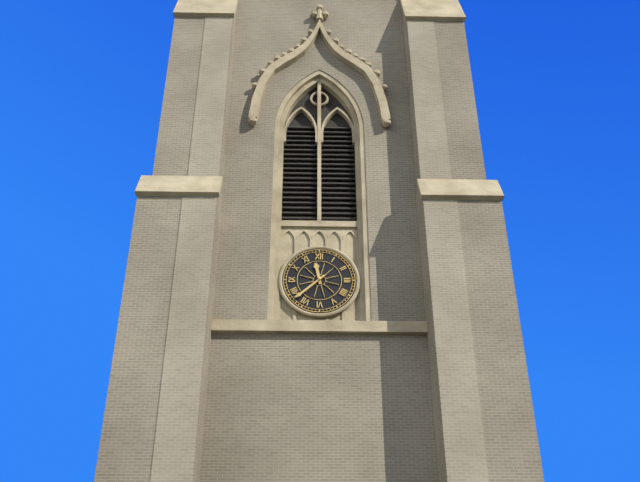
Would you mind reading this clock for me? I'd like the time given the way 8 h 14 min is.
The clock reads 11 h 38 min
